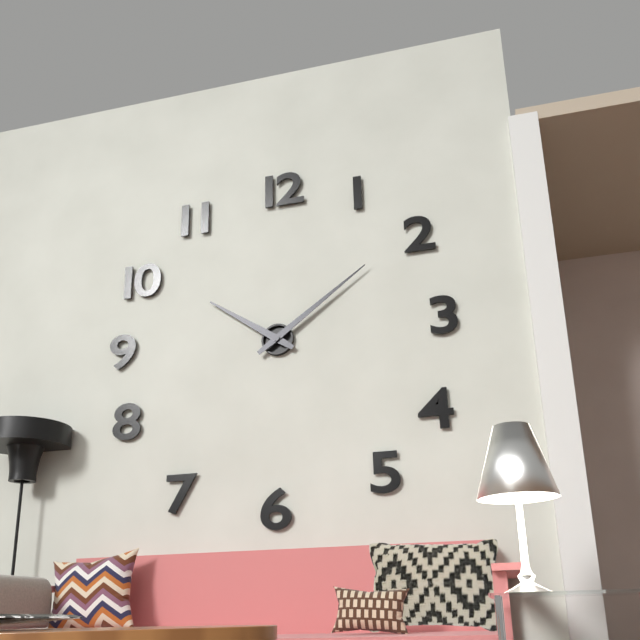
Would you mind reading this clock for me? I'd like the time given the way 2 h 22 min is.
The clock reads 10 h 09 min
